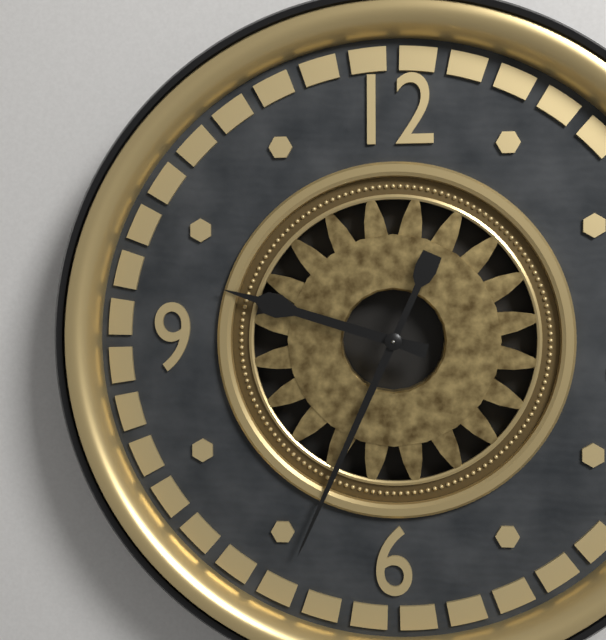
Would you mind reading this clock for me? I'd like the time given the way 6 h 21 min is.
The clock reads 9 h 34 min
